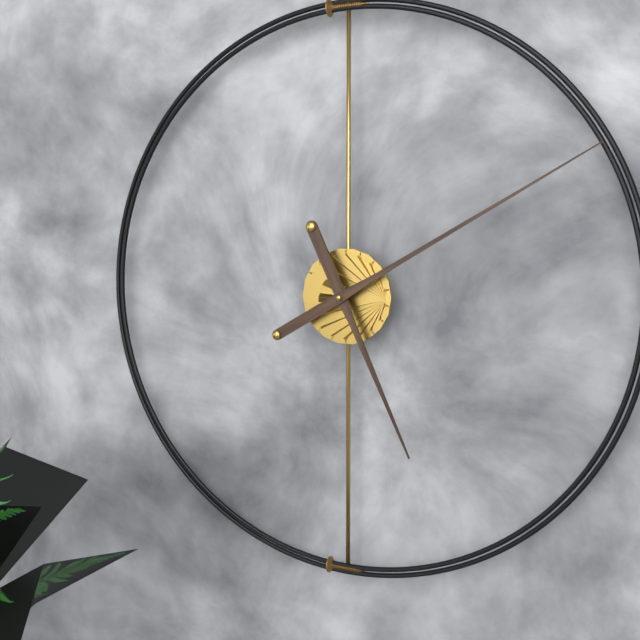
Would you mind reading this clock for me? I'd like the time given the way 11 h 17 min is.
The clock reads 5 h 10 min
